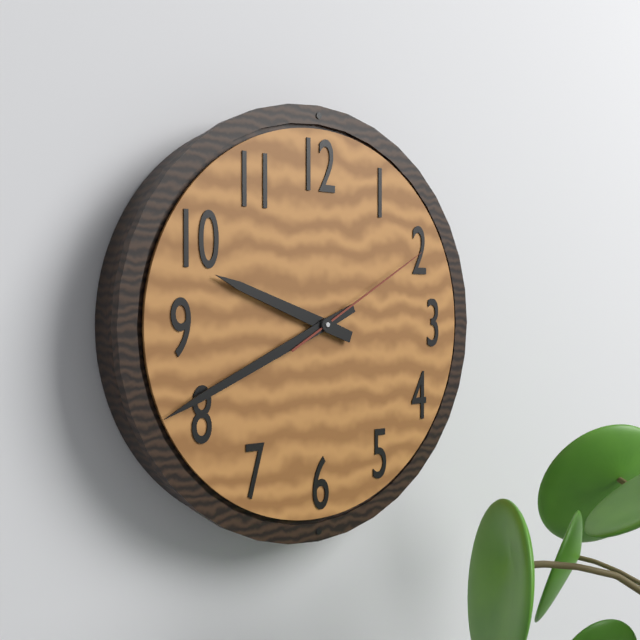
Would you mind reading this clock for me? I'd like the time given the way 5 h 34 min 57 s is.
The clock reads 9 h 41 min 10 s
